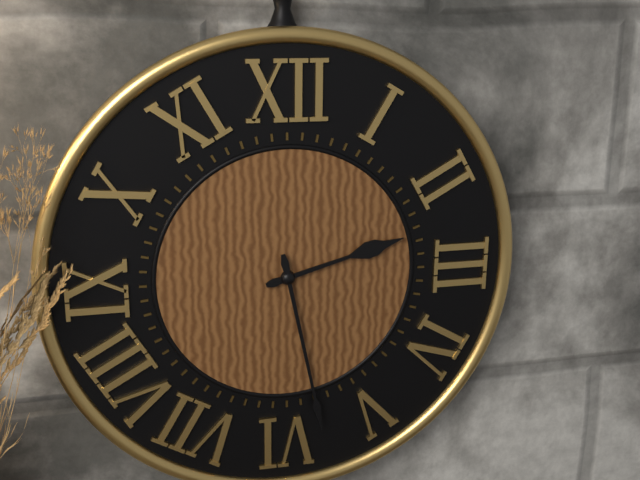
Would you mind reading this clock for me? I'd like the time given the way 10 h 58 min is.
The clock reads 2 h 28 min
